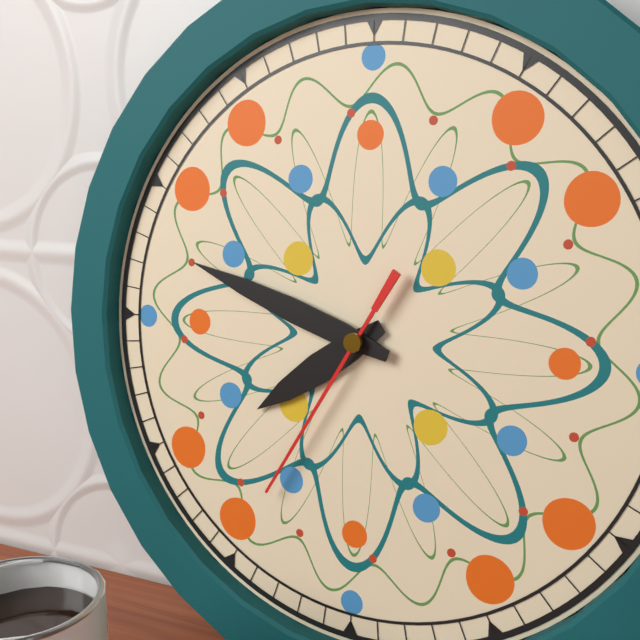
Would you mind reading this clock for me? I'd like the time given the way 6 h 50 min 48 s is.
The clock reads 7 h 48 min 35 s
